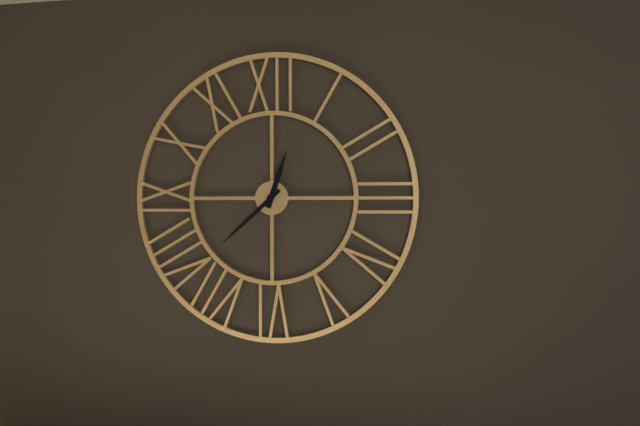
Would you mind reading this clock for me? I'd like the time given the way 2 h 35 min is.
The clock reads 12 h 38 min
